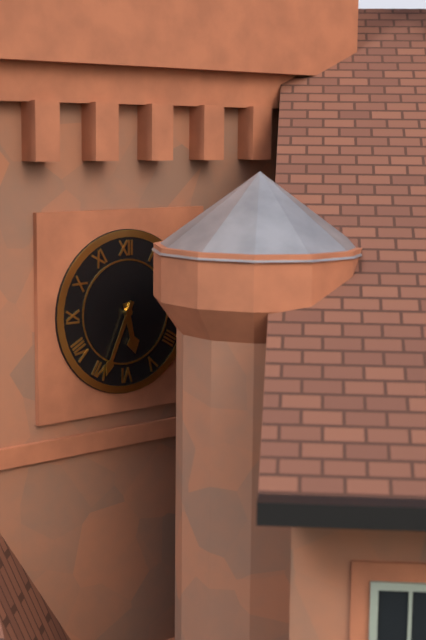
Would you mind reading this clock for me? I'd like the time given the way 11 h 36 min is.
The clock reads 5 h 34 min
